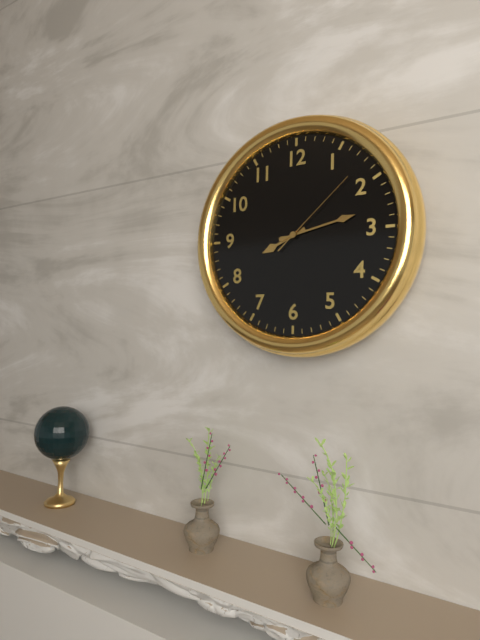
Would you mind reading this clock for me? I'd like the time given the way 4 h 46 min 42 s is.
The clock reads 8 h 13 min 08 s
